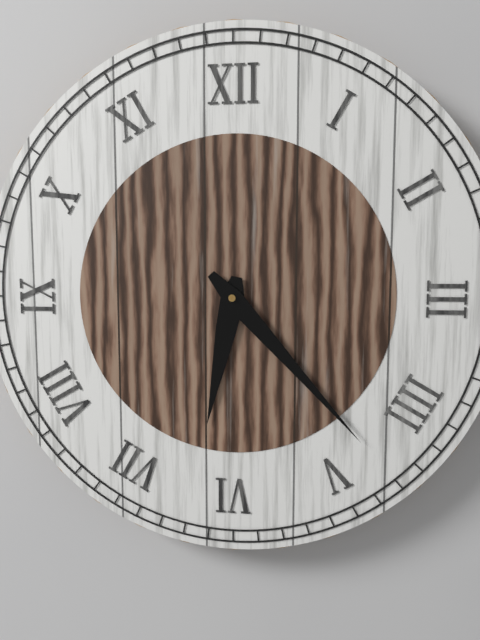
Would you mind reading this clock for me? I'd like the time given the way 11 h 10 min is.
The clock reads 6 h 23 min
